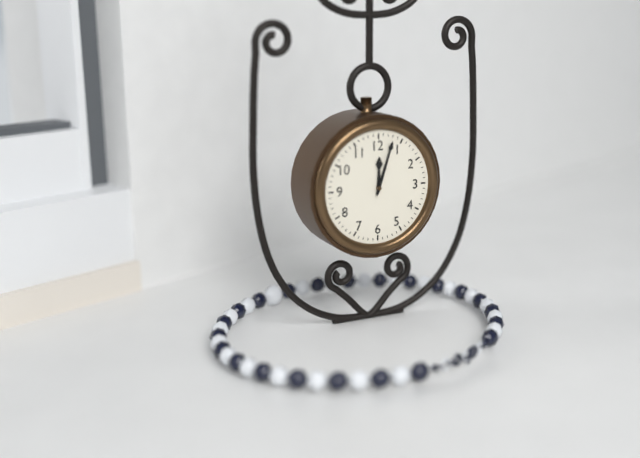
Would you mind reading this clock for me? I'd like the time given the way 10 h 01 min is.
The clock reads 12 h 03 min
